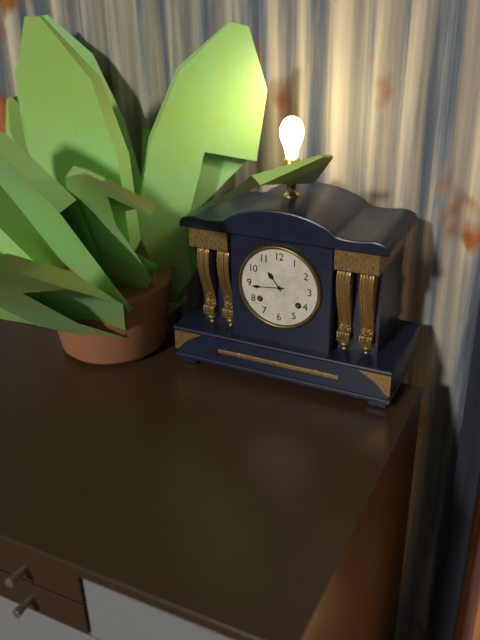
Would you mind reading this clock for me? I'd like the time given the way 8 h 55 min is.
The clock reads 10 h 44 min
